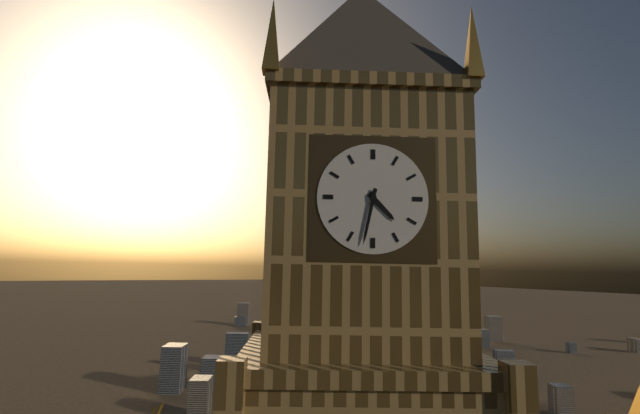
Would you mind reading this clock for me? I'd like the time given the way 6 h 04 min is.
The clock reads 4 h 32 min
